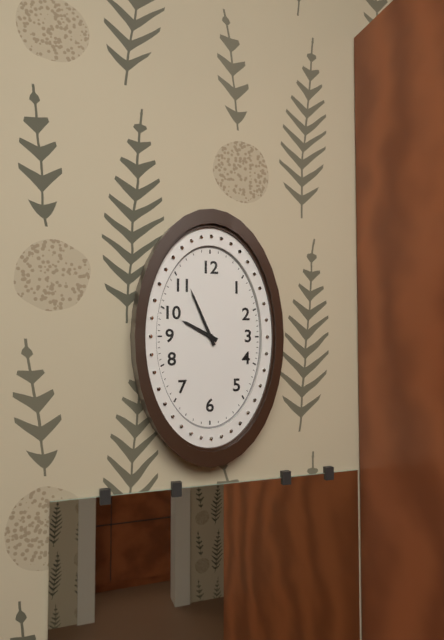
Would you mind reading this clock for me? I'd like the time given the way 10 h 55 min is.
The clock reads 9 h 56 min
